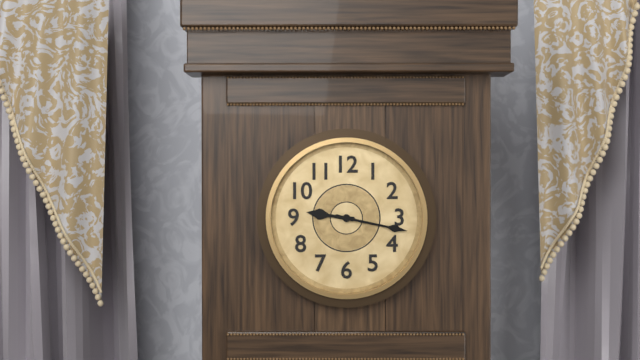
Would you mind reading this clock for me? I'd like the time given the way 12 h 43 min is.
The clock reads 9 h 17 min
